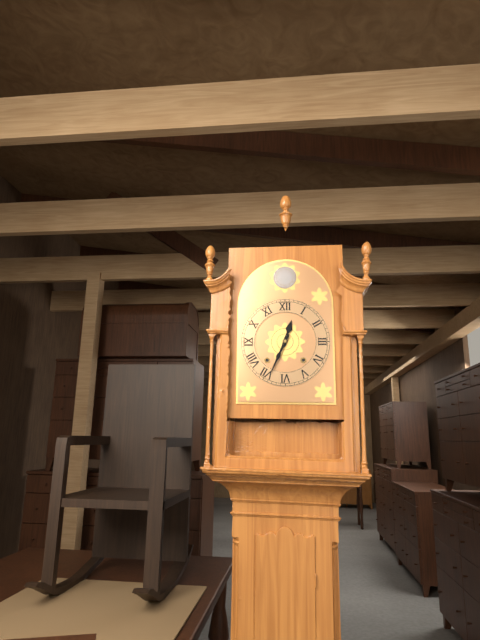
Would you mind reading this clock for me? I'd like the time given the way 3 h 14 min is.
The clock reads 12 h 34 min
